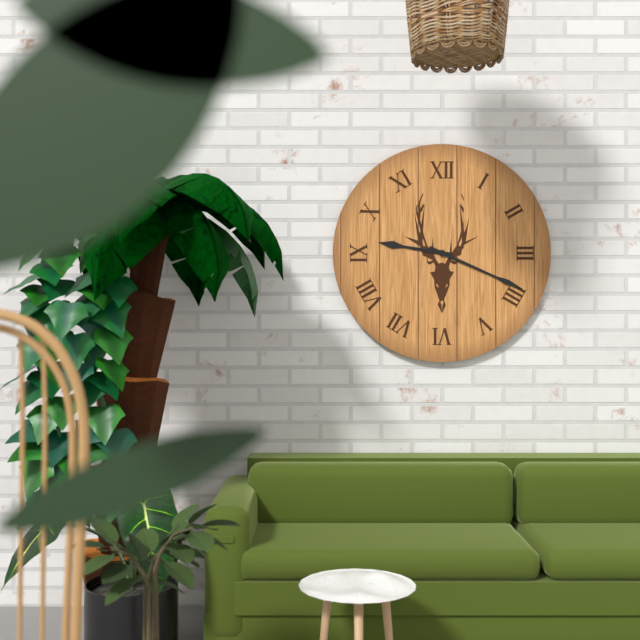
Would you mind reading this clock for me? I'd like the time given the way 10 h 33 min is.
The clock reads 9 h 19 min
